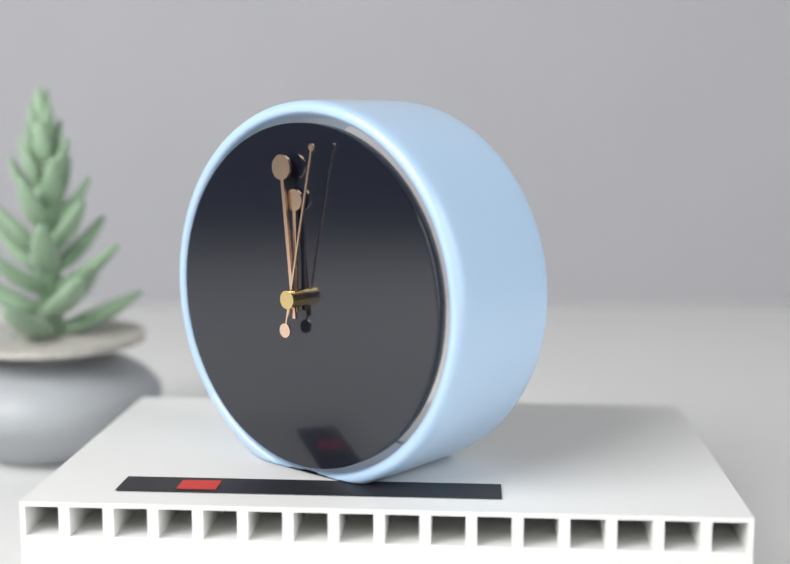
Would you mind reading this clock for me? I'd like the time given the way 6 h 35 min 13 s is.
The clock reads 11 h 59 min 02 s
